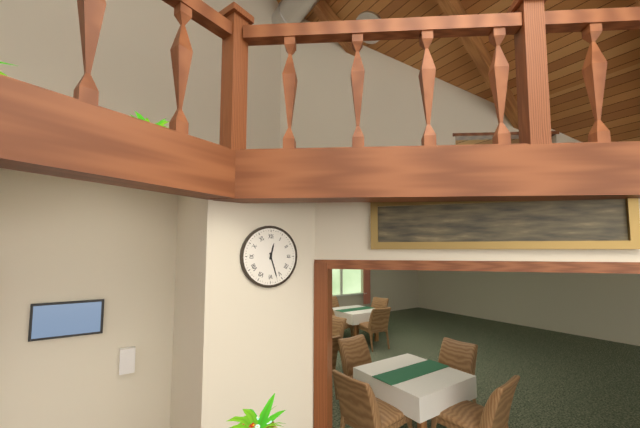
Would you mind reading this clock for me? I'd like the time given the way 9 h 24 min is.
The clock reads 12 h 27 min
